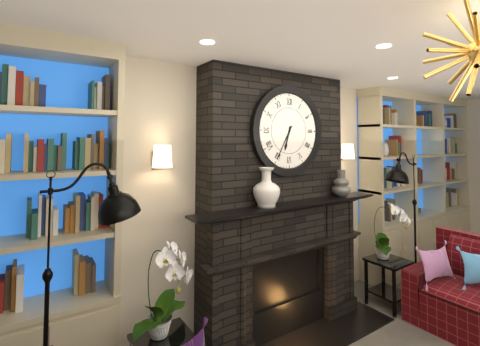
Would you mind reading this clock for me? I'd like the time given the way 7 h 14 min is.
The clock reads 6 h 35 min
